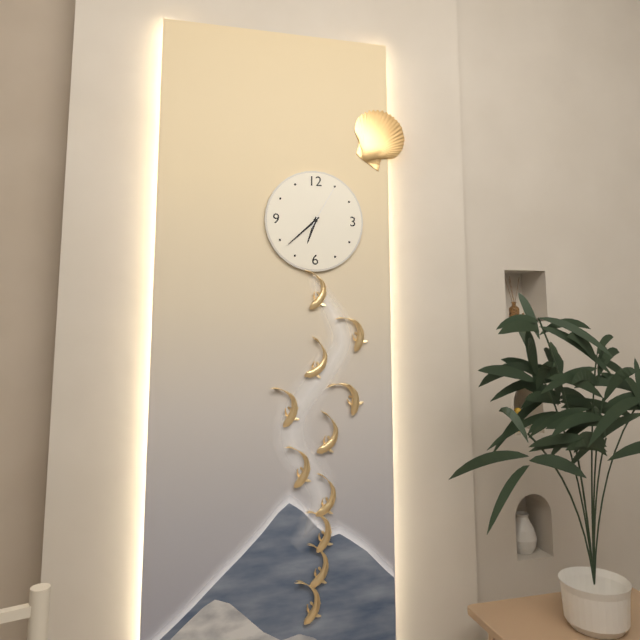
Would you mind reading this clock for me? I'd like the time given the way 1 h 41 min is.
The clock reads 6 h 38 min
